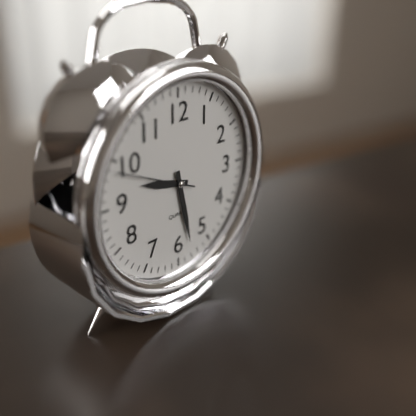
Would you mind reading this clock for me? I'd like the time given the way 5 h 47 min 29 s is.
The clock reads 9 h 28 min 49 s
